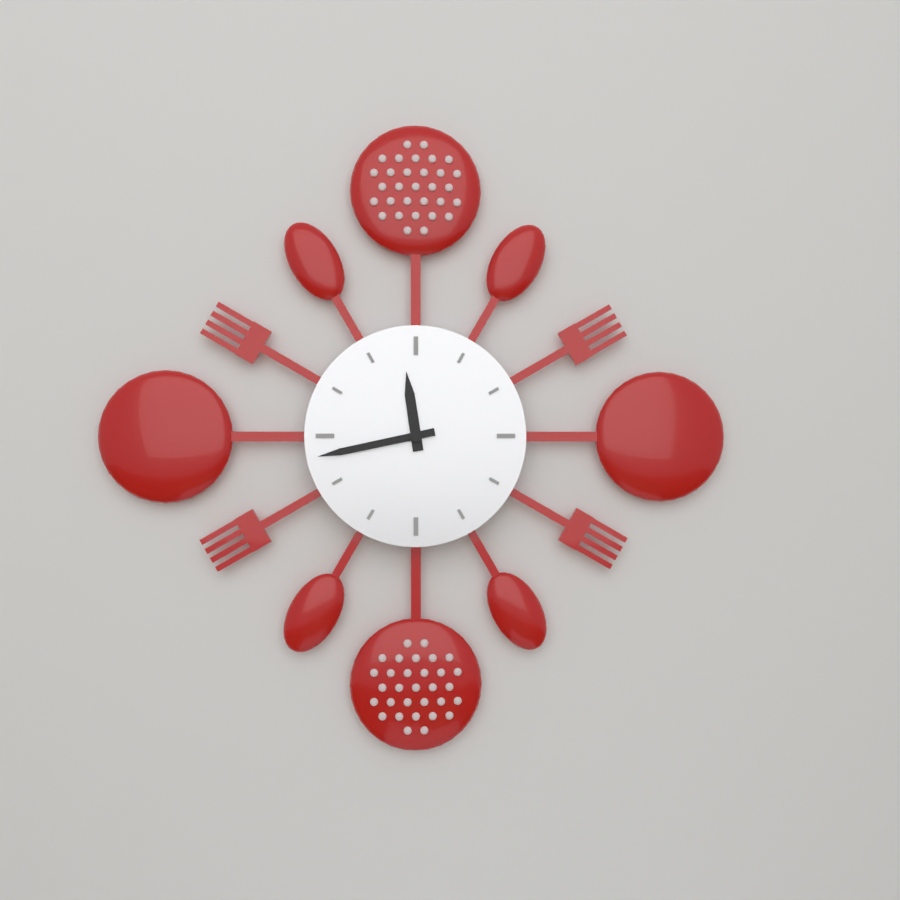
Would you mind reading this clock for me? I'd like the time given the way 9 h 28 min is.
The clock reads 11 h 43 min
